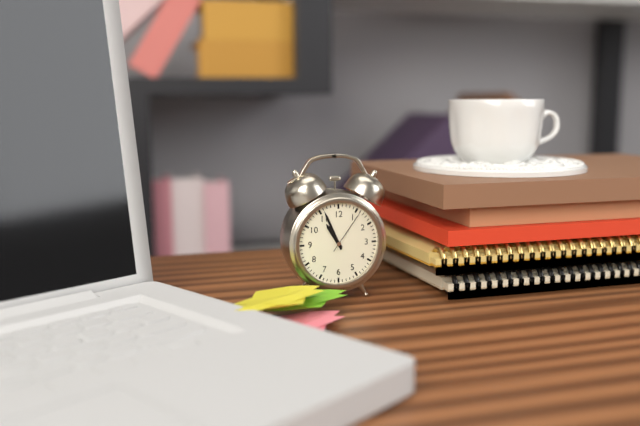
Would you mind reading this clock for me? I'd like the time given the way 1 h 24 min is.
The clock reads 10 h 56 min
